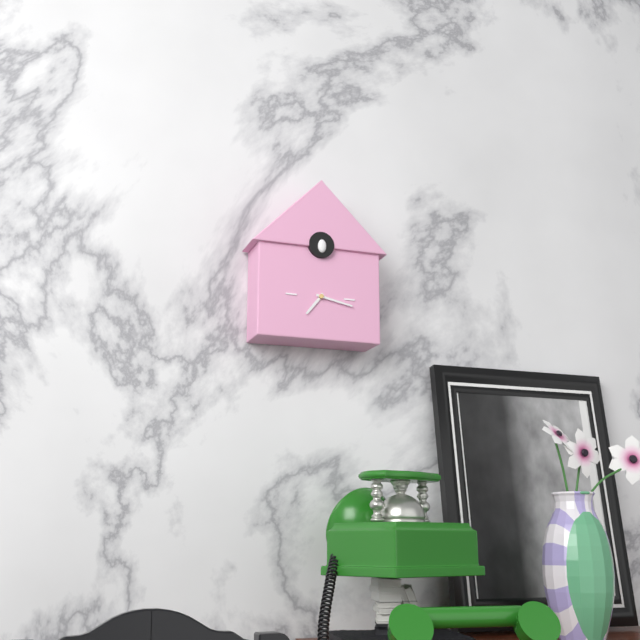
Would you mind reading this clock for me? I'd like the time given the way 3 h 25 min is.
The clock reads 7 h 17 min
